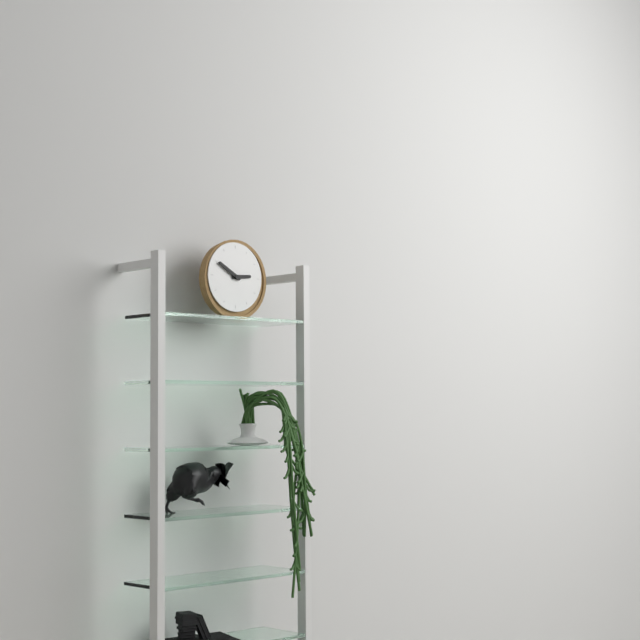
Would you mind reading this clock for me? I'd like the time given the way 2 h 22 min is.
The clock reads 2 h 50 min
